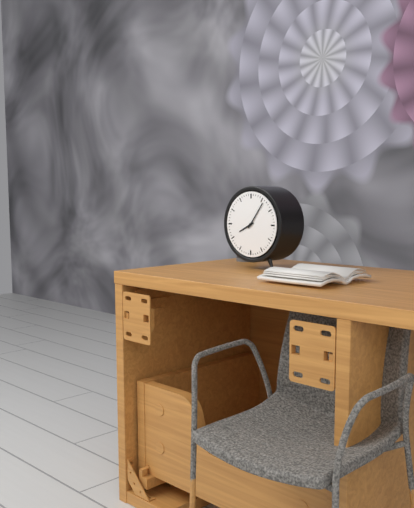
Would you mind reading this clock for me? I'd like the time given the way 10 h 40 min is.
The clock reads 8 h 06 min
